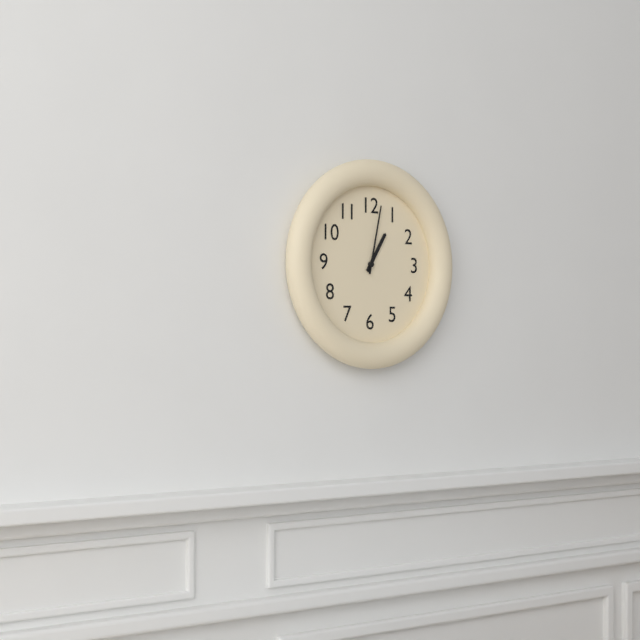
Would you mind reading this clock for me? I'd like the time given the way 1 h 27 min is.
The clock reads 1 h 02 min
